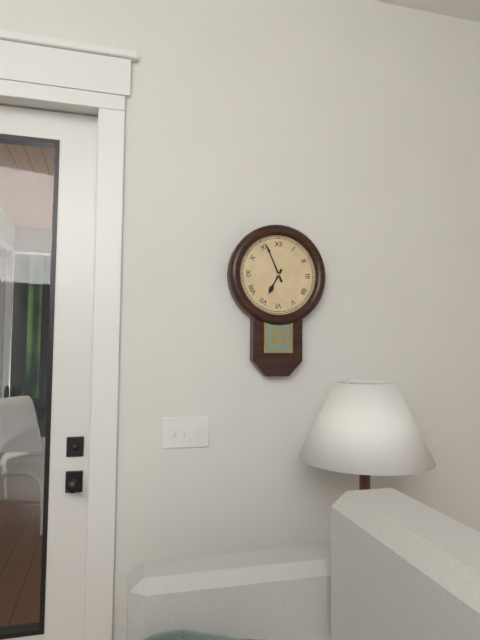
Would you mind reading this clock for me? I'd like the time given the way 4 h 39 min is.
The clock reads 6 h 56 min
